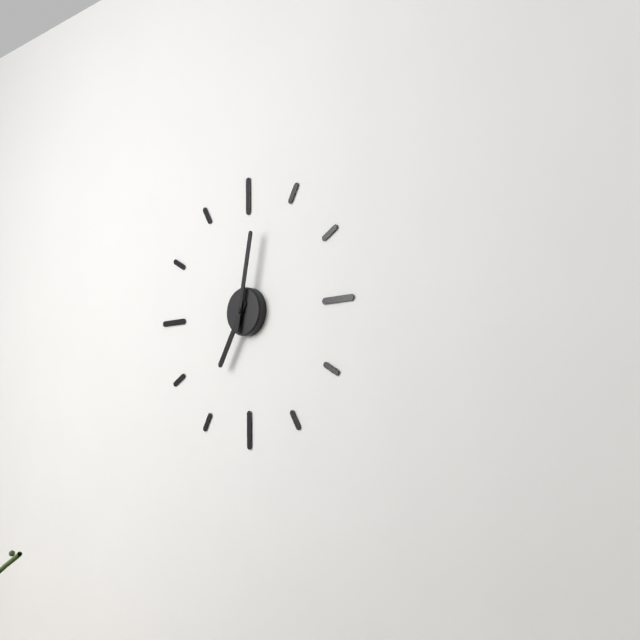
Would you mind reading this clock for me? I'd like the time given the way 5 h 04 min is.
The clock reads 7 h 02 min
